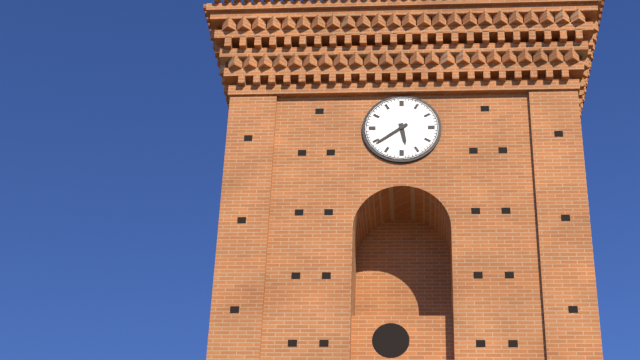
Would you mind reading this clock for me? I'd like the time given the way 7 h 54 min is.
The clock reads 5 h 39 min
